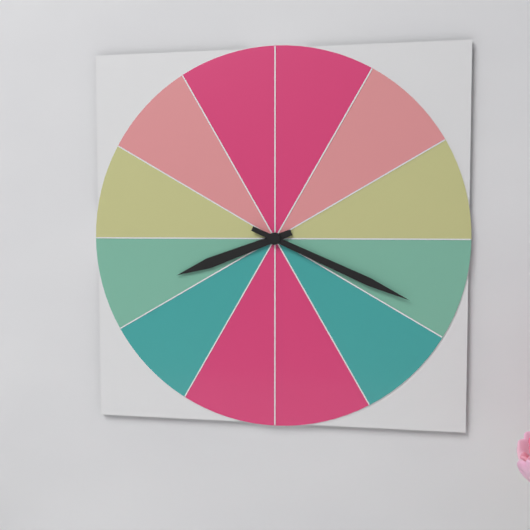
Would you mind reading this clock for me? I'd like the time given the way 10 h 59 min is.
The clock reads 8 h 19 min
